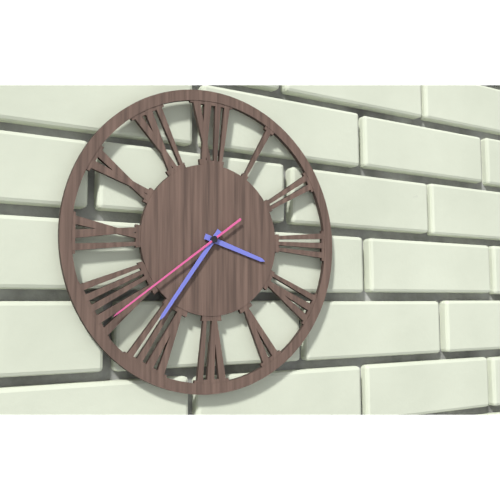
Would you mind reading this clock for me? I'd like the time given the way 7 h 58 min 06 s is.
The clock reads 3 h 36 min 39 s
